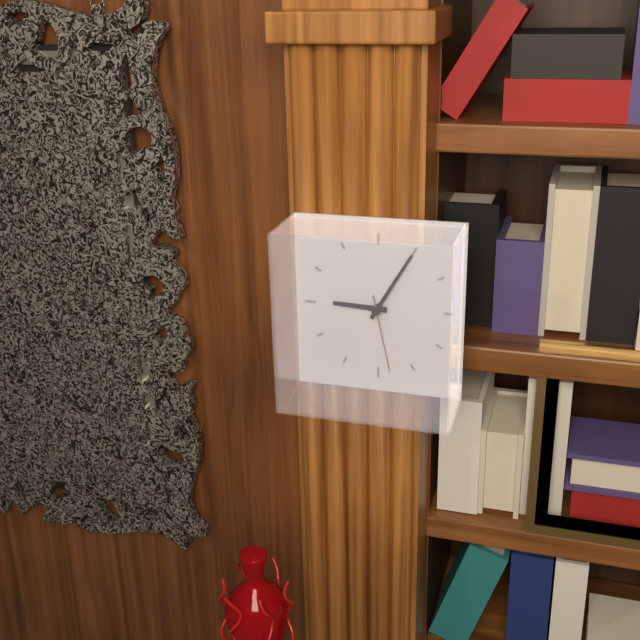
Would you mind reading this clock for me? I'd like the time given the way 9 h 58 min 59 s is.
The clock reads 9 h 05 min 28 s
